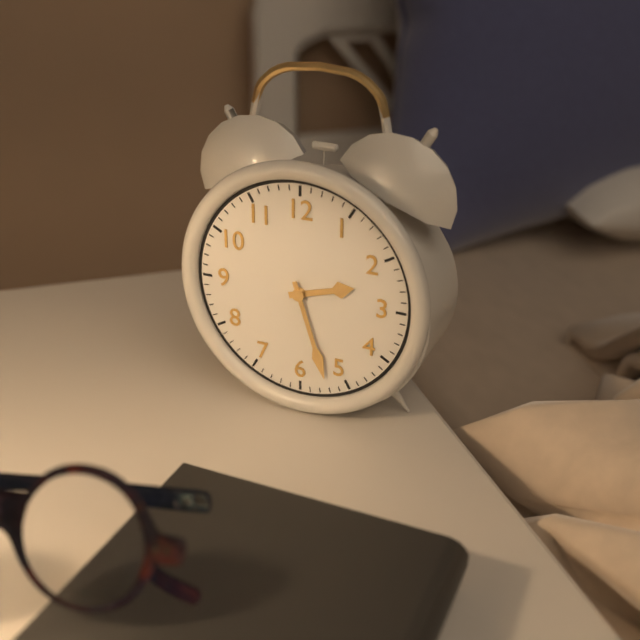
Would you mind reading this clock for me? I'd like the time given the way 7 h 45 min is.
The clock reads 2 h 27 min
